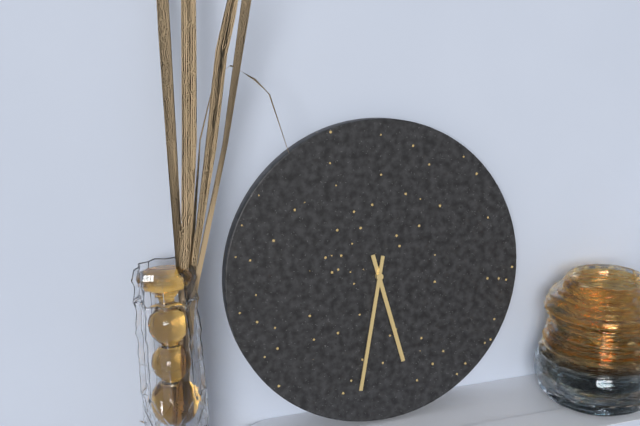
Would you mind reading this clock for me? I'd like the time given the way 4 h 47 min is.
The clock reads 5 h 32 min
